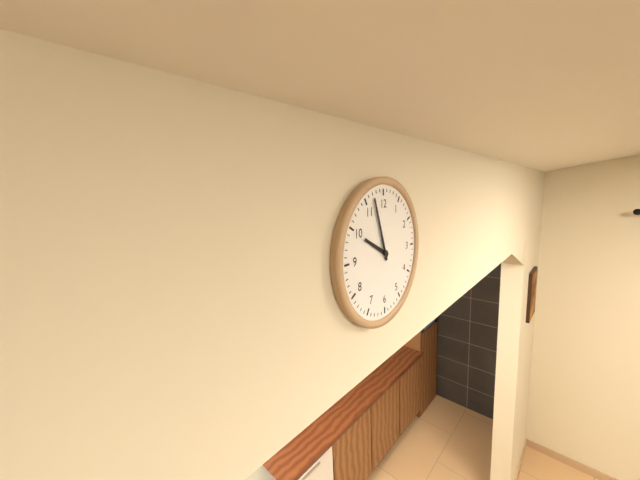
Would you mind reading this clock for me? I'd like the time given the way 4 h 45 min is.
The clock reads 9 h 57 min
